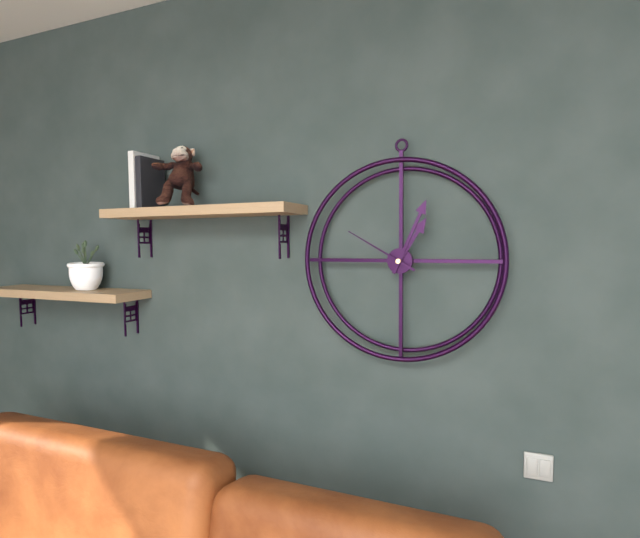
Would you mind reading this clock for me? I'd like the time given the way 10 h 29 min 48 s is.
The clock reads 1 h 04 min 50 s
